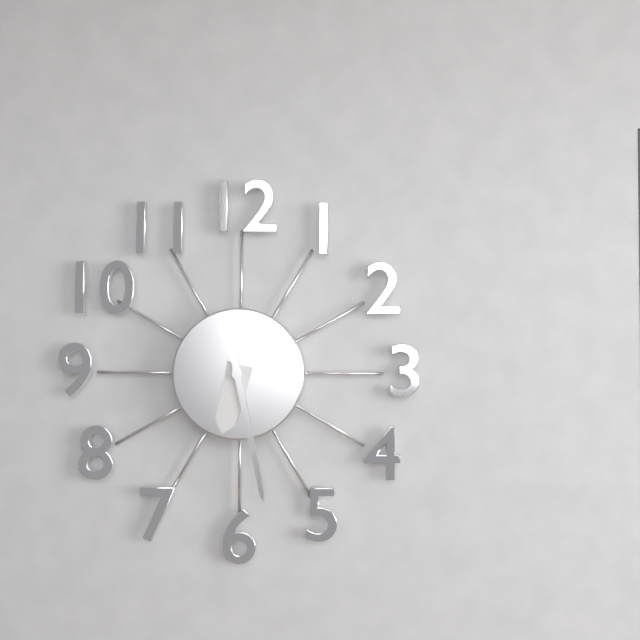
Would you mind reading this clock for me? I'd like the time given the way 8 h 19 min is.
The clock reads 6 h 28 min
